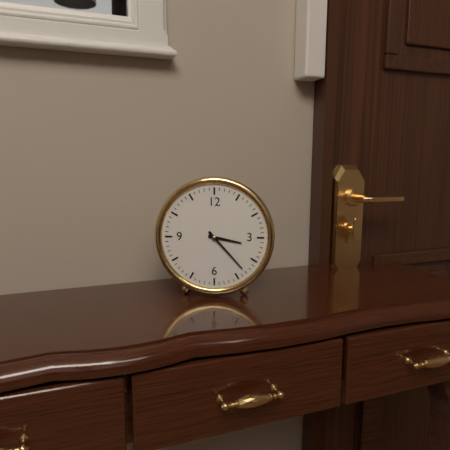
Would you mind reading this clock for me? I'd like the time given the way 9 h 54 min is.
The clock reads 3 h 23 min
